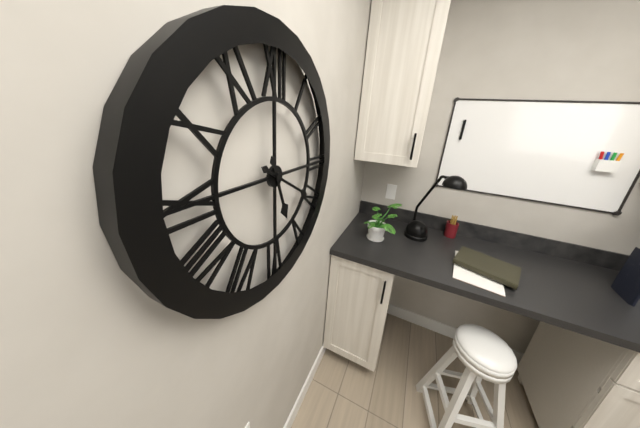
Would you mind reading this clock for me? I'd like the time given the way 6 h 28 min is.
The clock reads 5 h 20 min
